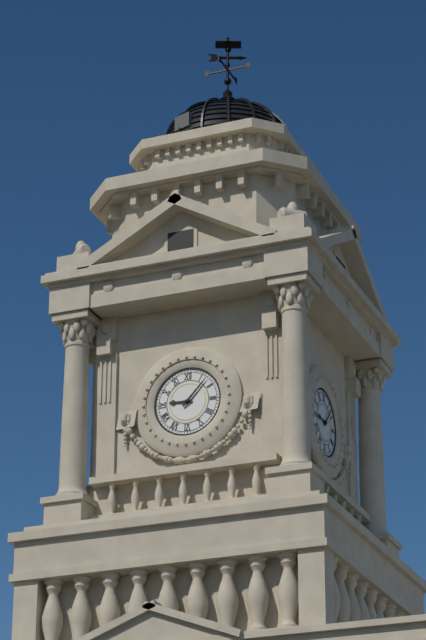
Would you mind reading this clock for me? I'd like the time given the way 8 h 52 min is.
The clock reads 9 h 07 min
